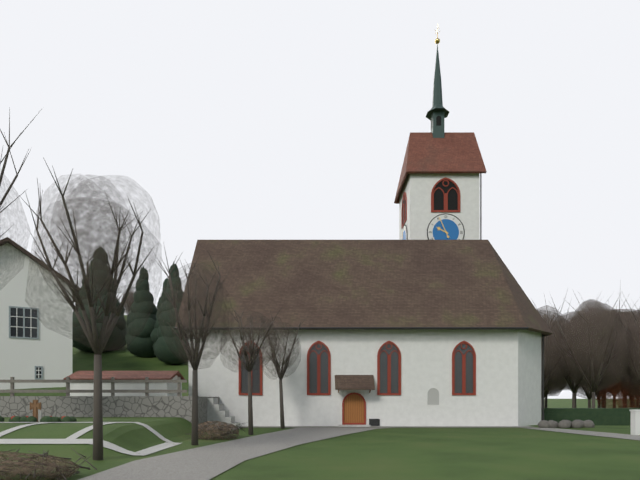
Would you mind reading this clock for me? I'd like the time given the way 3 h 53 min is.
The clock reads 9 h 56 min
